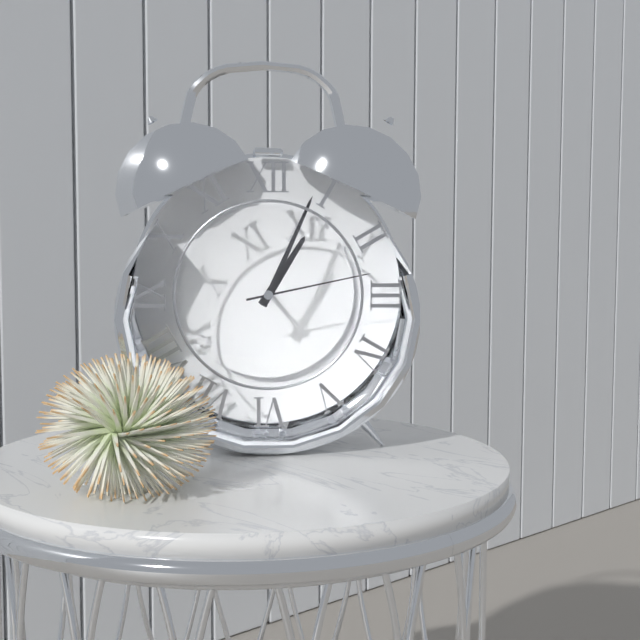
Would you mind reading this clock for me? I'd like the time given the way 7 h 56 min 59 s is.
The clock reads 1 h 04 min 13 s
